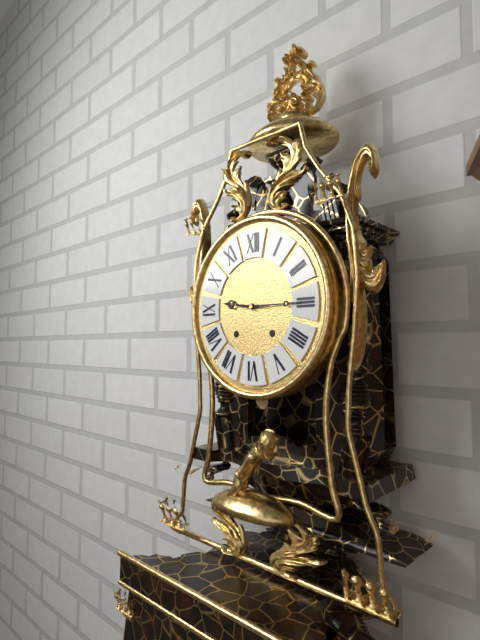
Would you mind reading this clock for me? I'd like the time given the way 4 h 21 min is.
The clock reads 9 h 15 min
